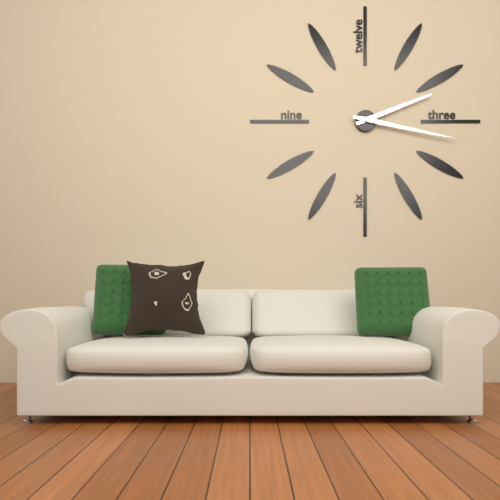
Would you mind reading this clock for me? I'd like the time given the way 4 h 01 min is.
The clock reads 2 h 17 min
